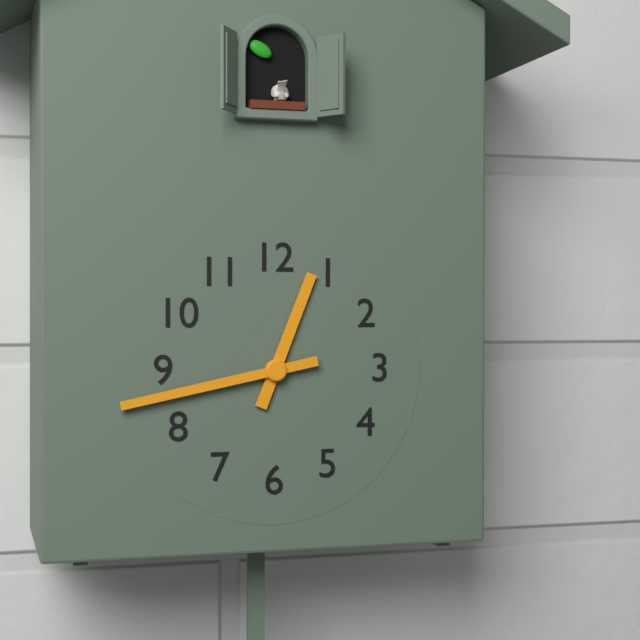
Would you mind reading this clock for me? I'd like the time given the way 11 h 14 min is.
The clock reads 12 h 43 min
